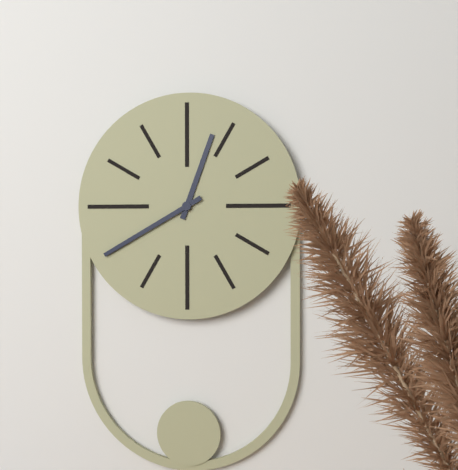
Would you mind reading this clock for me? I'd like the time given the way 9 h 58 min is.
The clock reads 12 h 40 min
